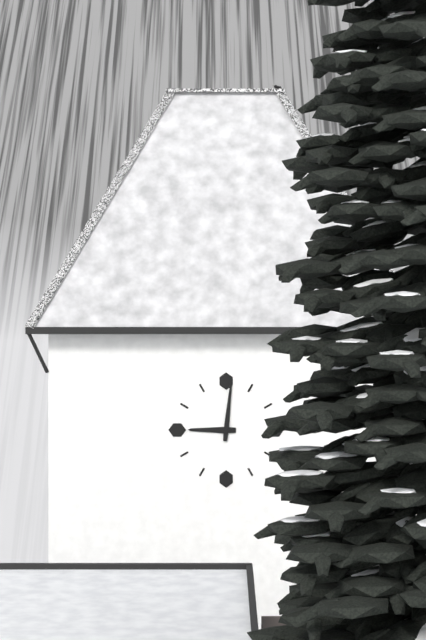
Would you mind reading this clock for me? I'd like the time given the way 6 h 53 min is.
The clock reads 9 h 01 min
